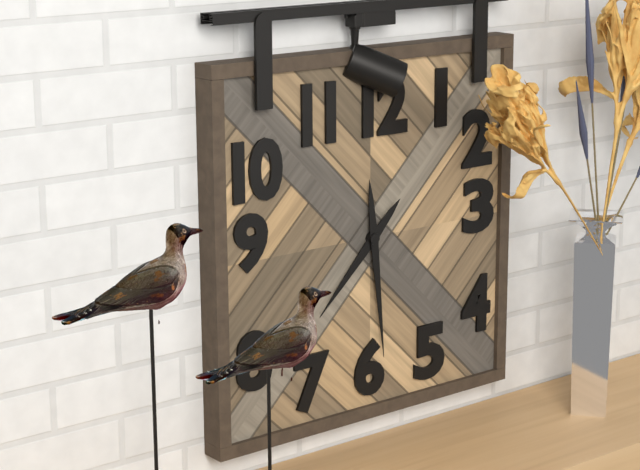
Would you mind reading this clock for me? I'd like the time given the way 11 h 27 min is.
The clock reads 7 h 29 min
